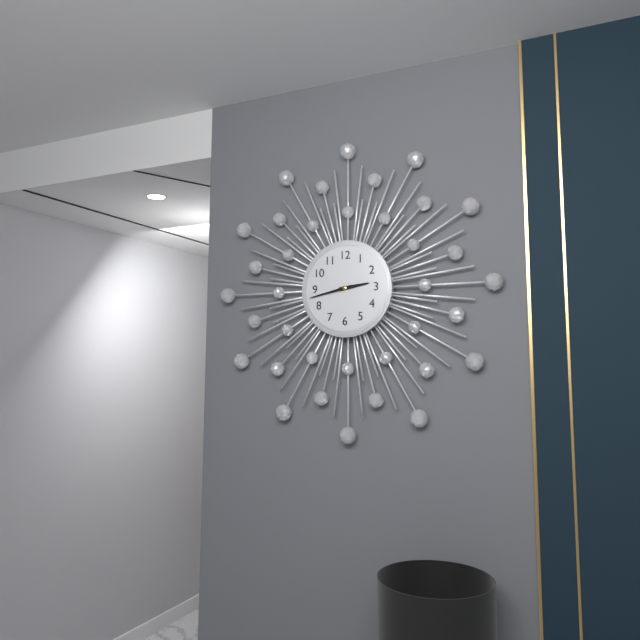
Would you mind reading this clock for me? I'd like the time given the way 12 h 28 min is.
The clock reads 2 h 43 min
